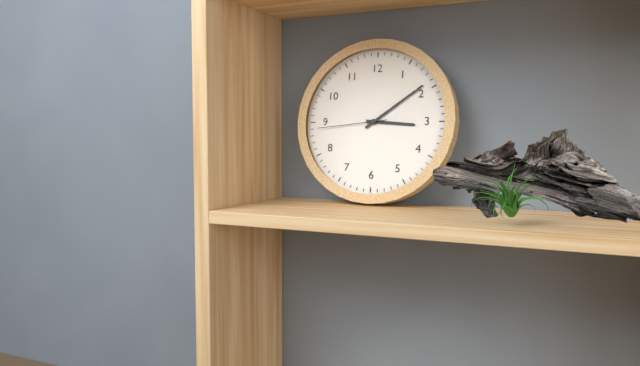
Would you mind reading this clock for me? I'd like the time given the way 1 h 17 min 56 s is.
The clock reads 3 h 09 min 44 s
